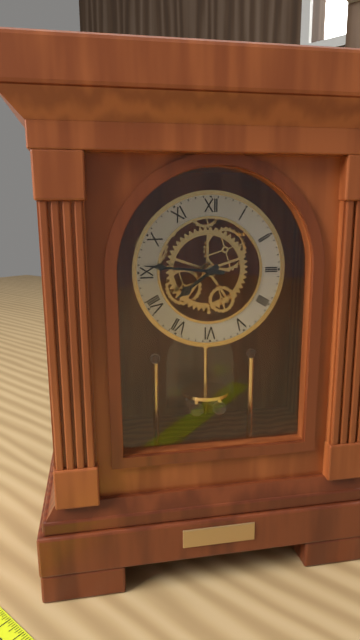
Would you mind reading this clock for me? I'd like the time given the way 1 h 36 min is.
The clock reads 7 h 46 min
